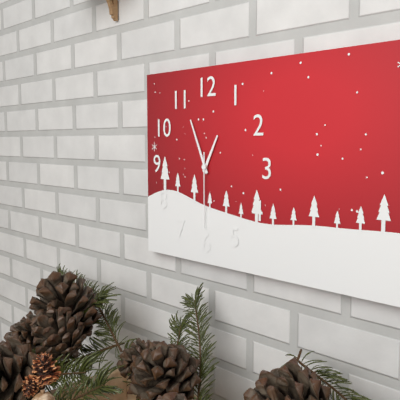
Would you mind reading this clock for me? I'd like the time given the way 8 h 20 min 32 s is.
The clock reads 12 h 56 min 30 s
